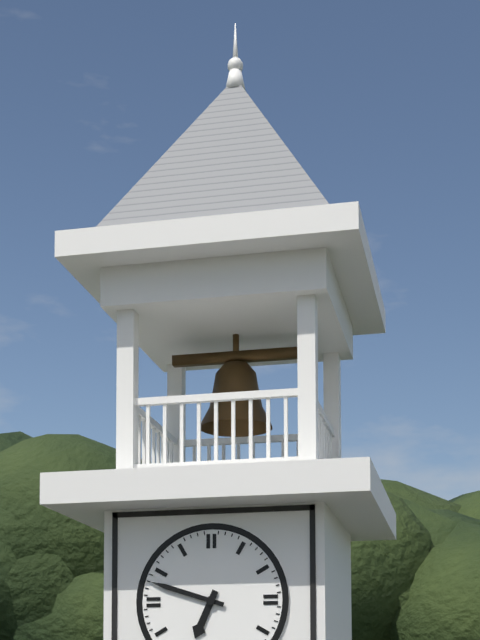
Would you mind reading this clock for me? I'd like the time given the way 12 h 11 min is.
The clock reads 6 h 48 min
